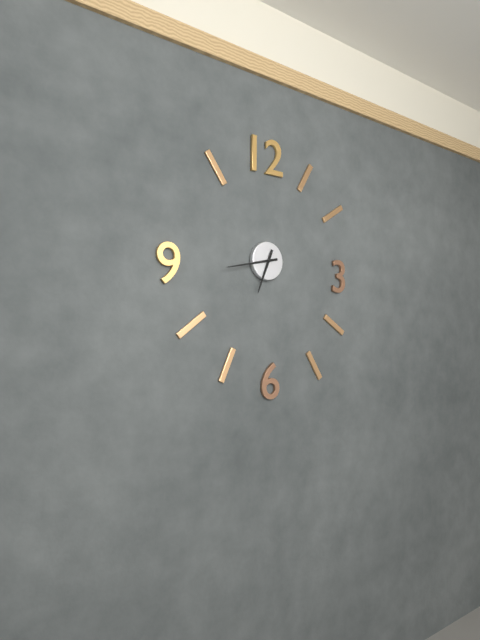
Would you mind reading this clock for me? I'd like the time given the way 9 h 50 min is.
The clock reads 6 h 43 min
